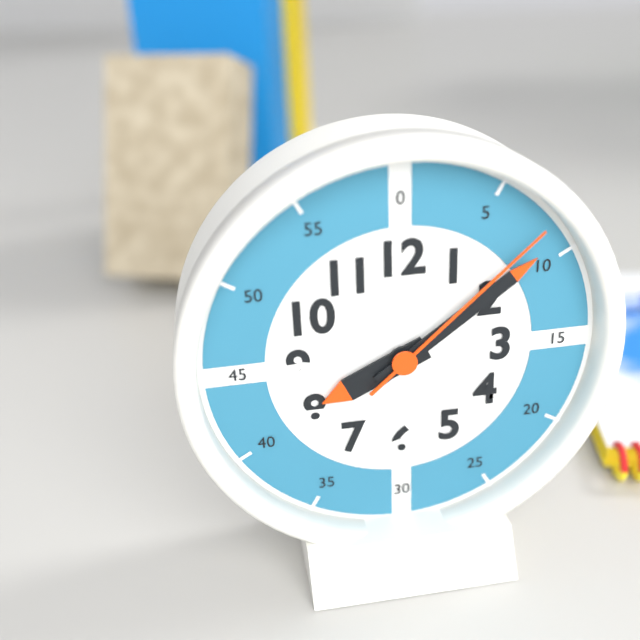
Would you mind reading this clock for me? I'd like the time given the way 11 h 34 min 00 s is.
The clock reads 8 h 09 min 08 s
